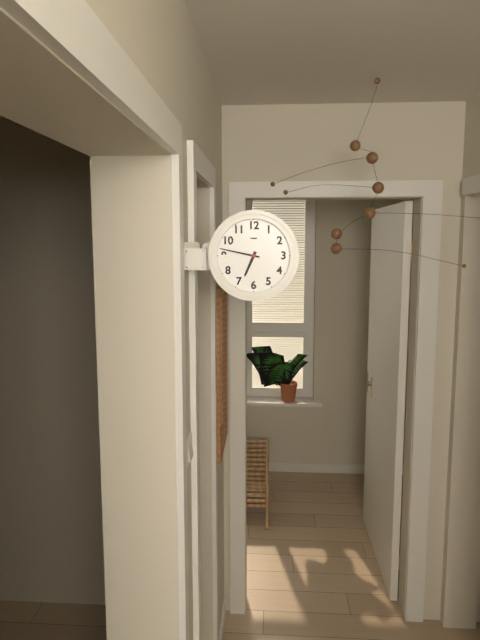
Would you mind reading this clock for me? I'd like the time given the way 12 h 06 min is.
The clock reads 6 h 47 min
